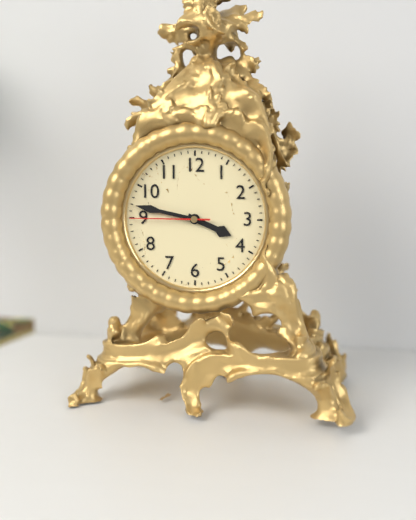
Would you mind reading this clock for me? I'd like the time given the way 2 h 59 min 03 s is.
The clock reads 3 h 47 min 45 s
